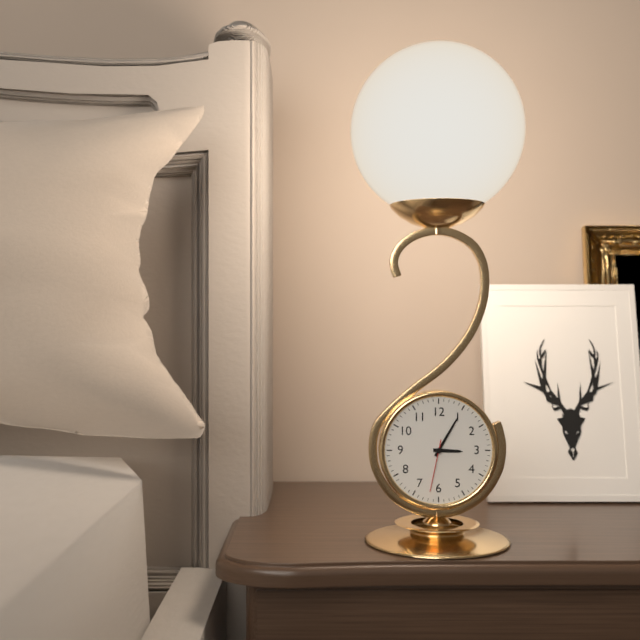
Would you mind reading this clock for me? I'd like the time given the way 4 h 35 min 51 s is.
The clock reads 3 h 05 min 32 s
